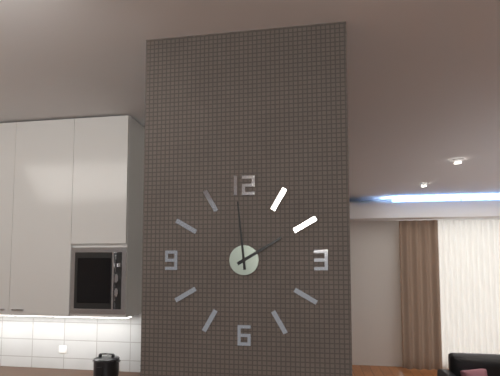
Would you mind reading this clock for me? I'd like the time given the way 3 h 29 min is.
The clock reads 1 h 59 min
